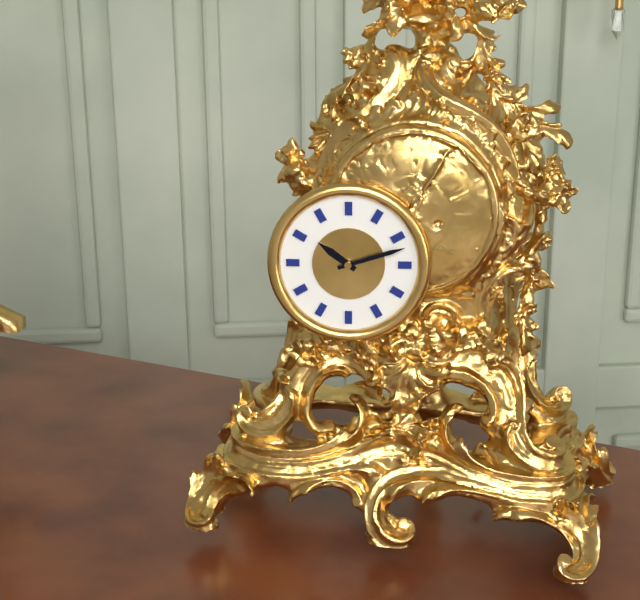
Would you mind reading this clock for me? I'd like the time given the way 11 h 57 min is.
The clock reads 10 h 12 min
